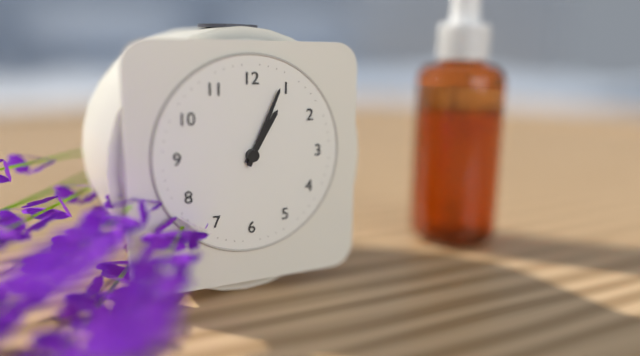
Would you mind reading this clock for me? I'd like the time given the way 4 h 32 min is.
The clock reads 1 h 04 min
